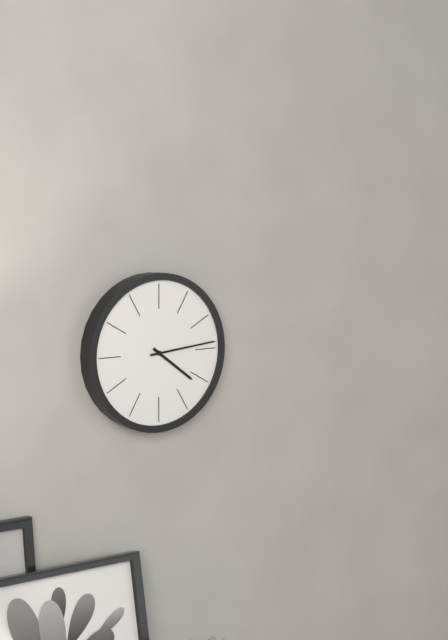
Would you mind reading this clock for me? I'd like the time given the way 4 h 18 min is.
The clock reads 4 h 14 min
